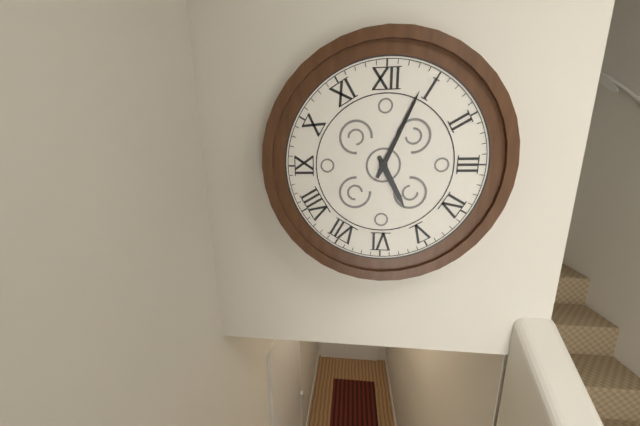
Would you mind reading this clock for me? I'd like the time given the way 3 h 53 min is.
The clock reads 5 h 04 min
